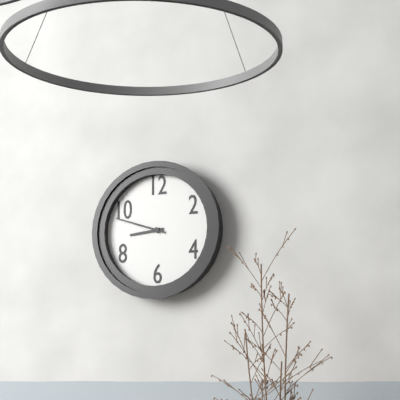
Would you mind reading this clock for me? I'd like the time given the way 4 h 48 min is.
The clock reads 8 h 48 min
